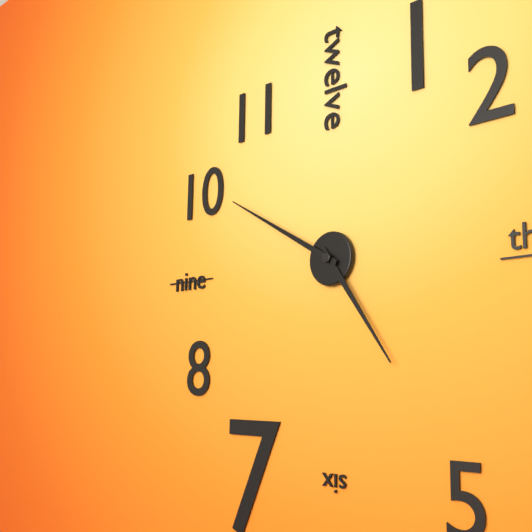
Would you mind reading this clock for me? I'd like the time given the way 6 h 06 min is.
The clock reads 4 h 50 min
